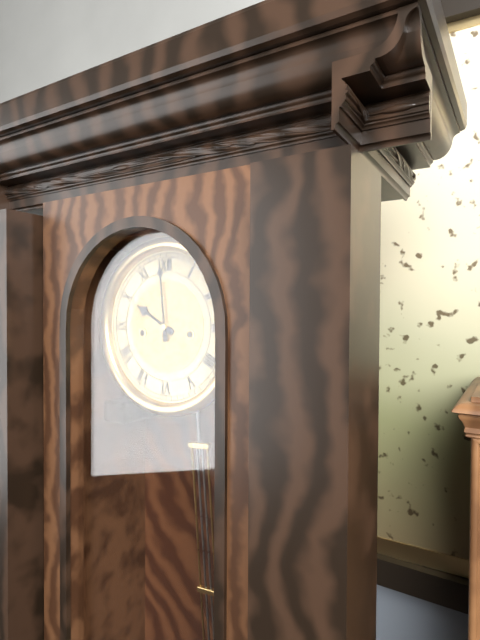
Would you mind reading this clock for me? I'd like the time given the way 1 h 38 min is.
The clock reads 9 h 59 min
